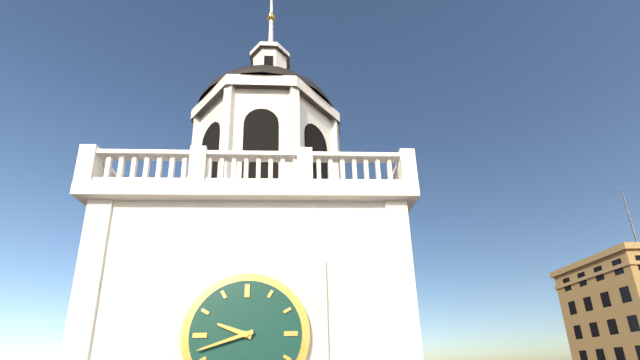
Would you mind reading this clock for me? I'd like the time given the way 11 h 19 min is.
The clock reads 9 h 42 min
